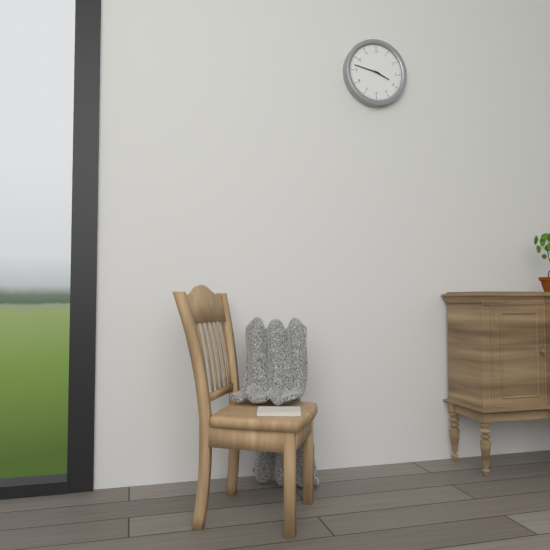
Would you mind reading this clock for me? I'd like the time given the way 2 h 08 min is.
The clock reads 3 h 47 min
